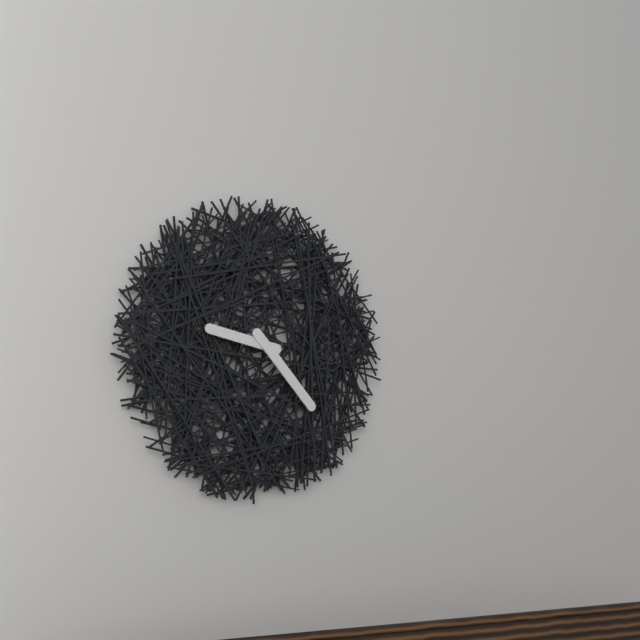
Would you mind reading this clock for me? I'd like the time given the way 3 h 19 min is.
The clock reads 9 h 23 min
